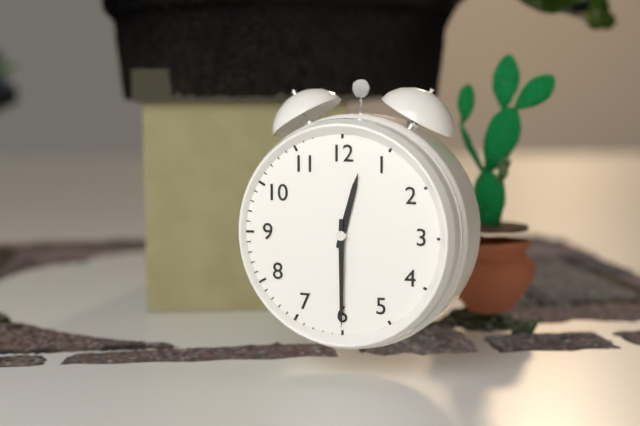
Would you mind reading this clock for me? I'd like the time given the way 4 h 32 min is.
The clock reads 12 h 30 min
